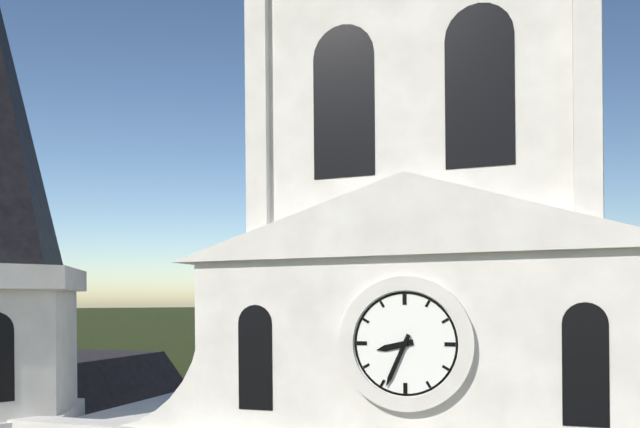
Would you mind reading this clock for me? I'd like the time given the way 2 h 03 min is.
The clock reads 8 h 34 min
